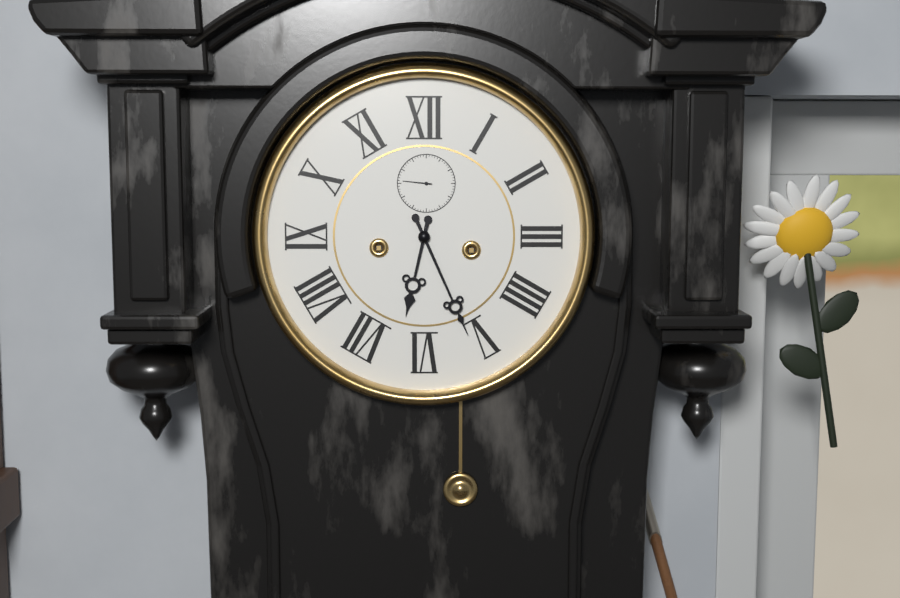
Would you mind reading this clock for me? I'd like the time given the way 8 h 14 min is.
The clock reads 6 h 26 min
